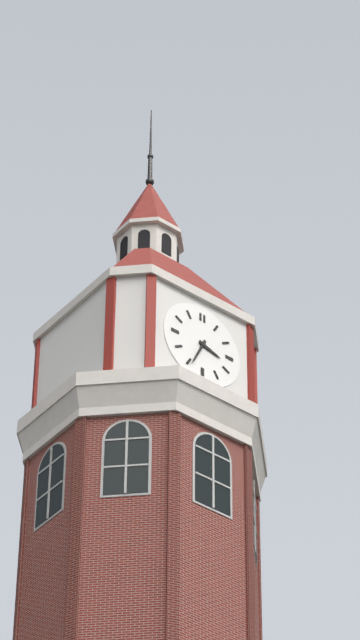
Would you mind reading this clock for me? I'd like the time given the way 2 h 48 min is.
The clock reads 3 h 34 min
